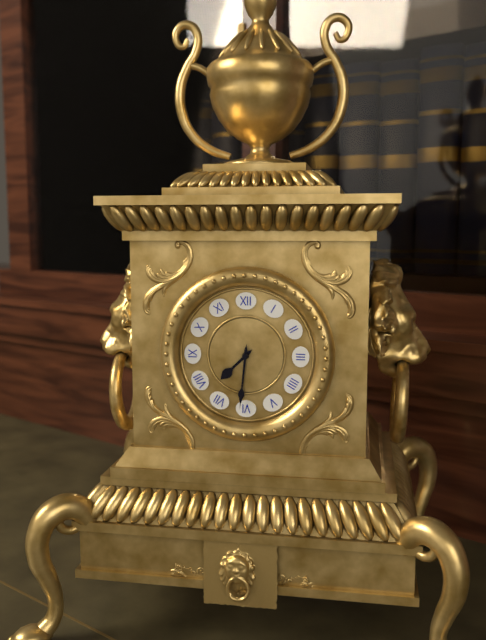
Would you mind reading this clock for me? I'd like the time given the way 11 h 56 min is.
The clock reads 7 h 31 min
